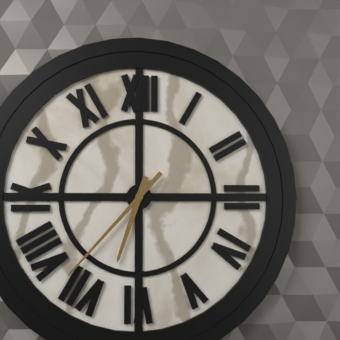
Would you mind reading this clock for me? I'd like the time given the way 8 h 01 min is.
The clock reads 6 h 37 min
